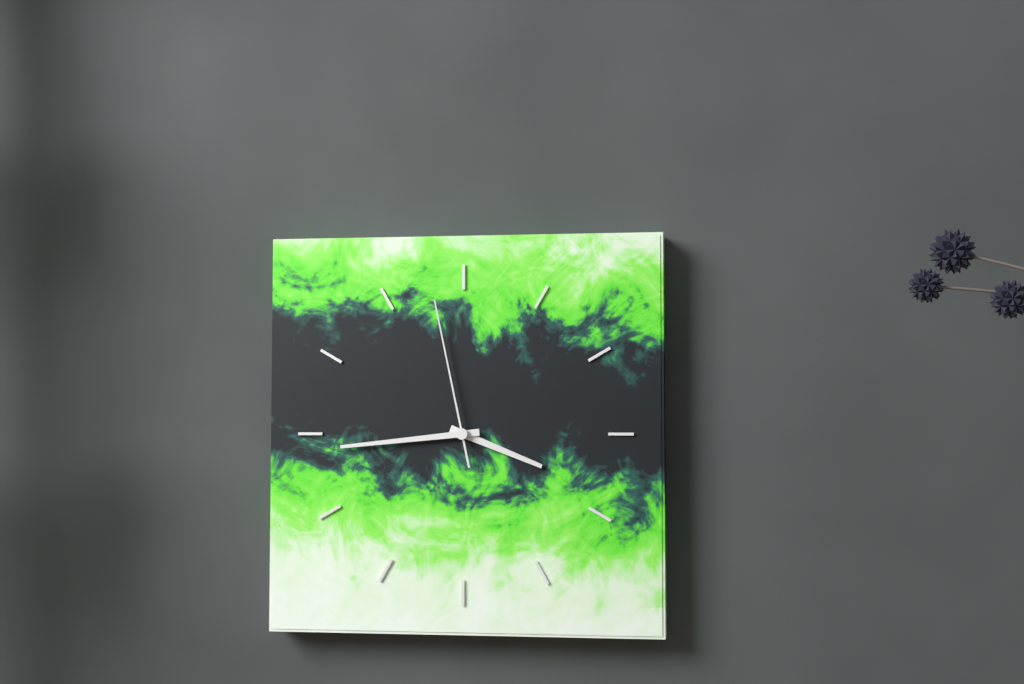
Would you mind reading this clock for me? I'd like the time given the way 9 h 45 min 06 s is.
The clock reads 3 h 44 min 58 s
